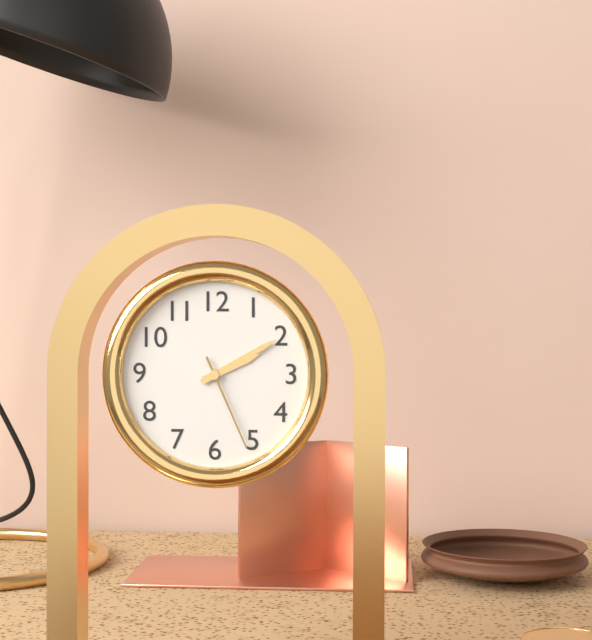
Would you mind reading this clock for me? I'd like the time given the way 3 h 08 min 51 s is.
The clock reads 2 h 10 min 26 s
